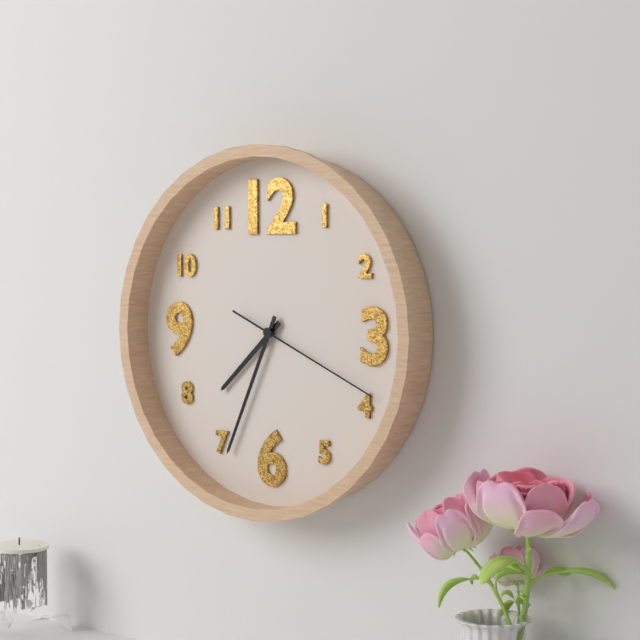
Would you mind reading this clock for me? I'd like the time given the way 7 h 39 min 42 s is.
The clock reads 7 h 34 min 19 s
